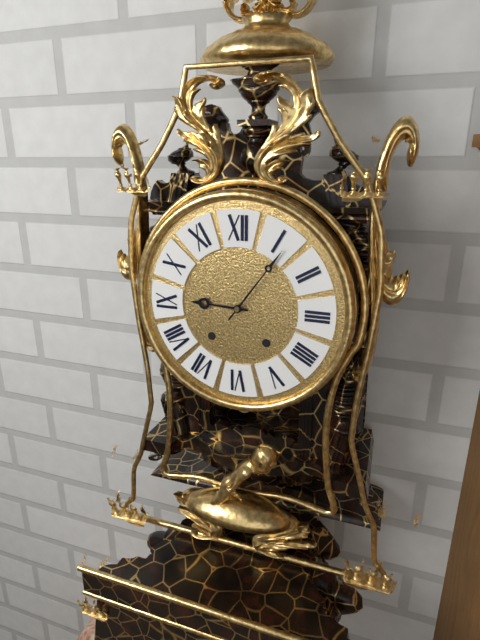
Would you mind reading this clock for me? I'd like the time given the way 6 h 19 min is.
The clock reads 9 h 06 min
